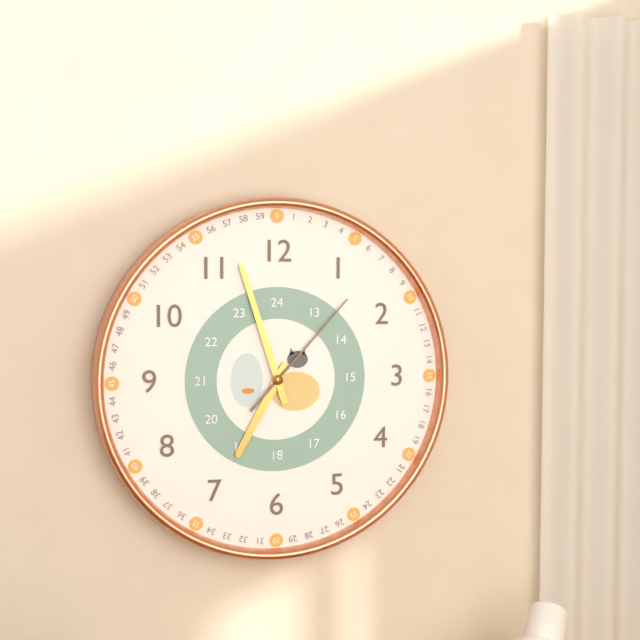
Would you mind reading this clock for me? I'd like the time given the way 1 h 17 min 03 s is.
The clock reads 6 h 57 min 07 s
